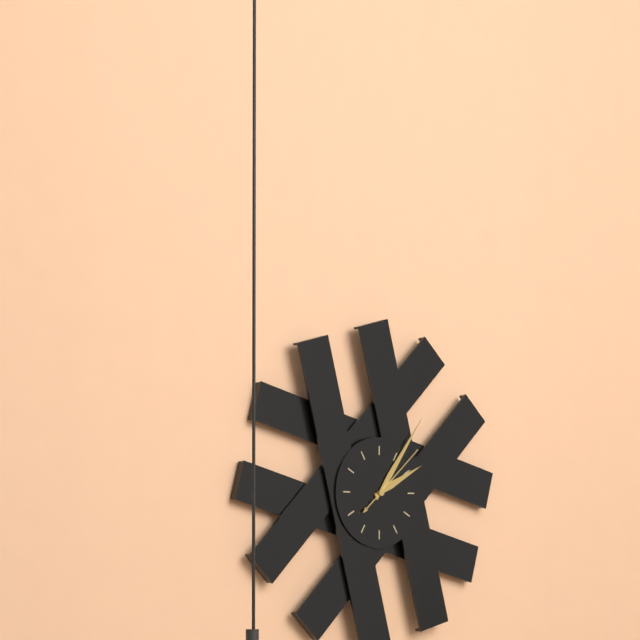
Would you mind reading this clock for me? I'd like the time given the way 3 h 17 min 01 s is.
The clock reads 2 h 06 min 08 s
